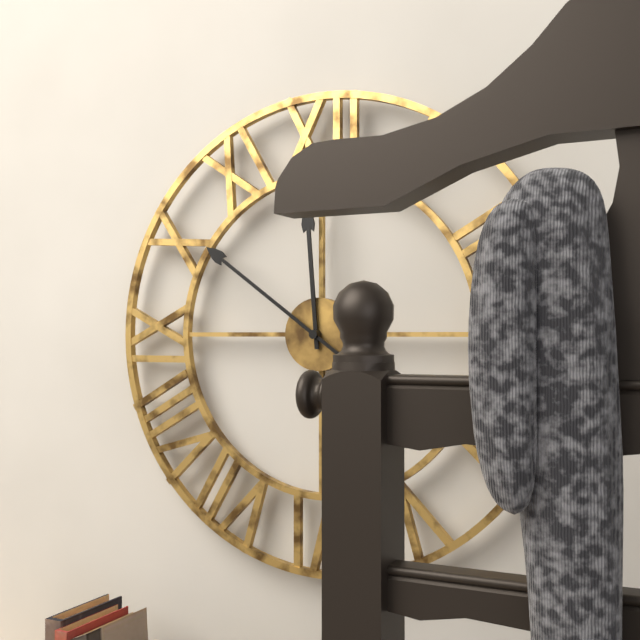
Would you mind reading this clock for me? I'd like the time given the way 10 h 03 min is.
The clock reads 11 h 51 min
